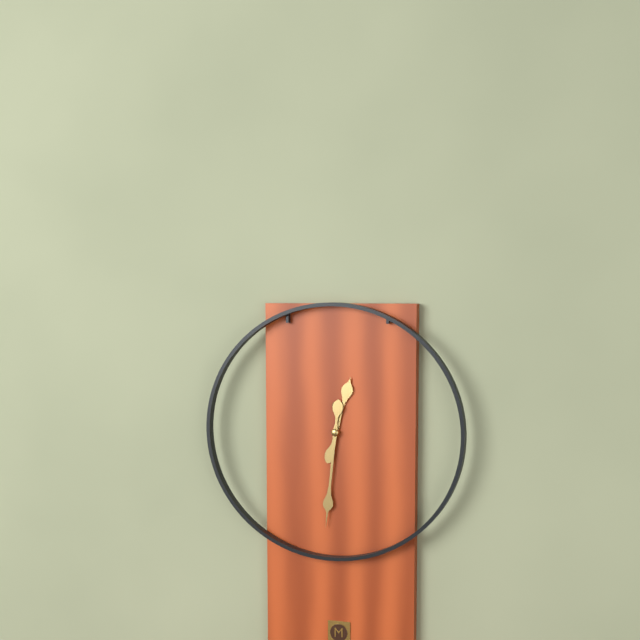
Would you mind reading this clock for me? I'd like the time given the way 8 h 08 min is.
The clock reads 12 h 31 min
